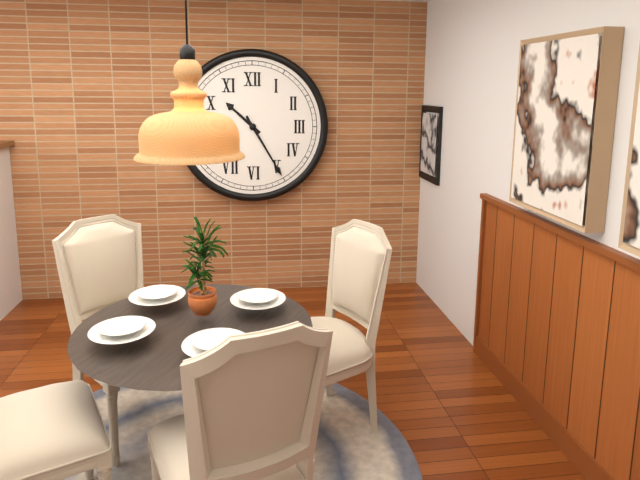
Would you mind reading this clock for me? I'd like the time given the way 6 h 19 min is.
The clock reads 10 h 25 min
